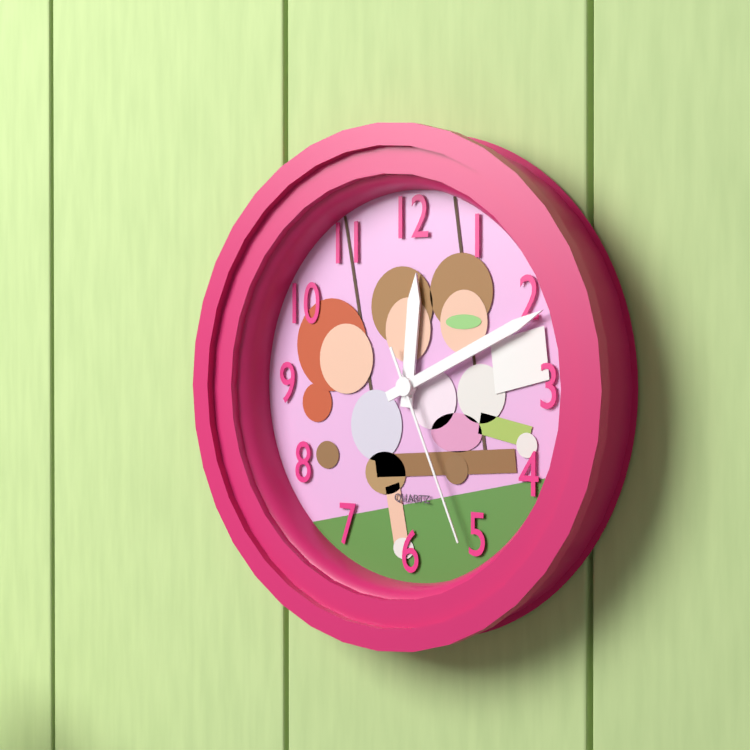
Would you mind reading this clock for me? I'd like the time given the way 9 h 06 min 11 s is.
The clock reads 12 h 11 min 26 s
